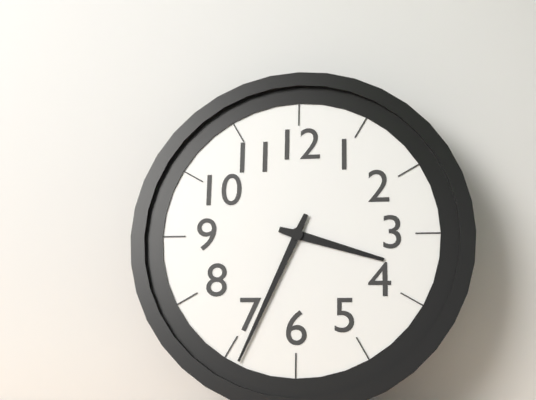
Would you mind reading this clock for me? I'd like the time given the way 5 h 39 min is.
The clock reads 3 h 34 min
